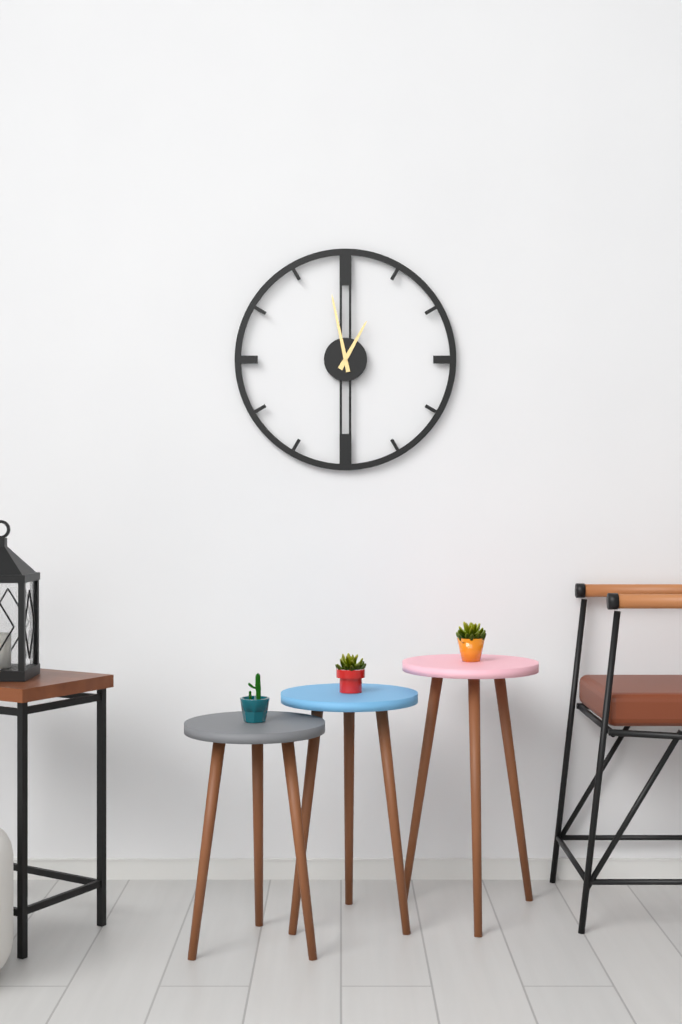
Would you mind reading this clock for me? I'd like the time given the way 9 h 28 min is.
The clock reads 12 h 58 min
